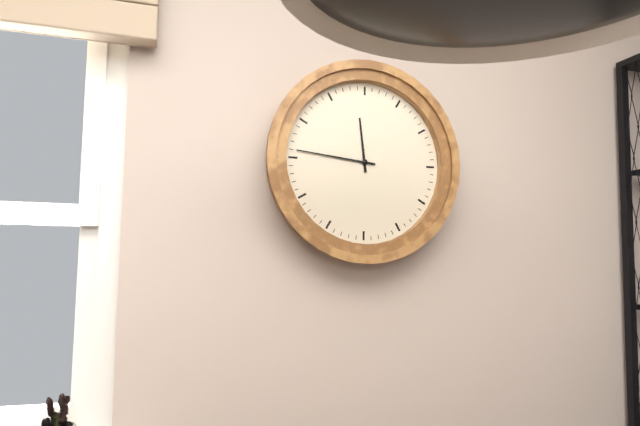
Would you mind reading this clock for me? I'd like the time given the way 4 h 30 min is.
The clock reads 11 h 46 min
